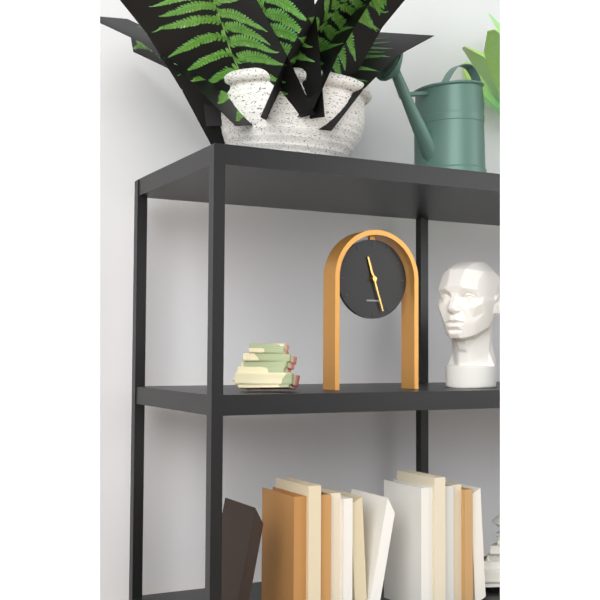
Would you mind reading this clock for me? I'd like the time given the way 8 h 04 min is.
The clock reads 11 h 27 min
